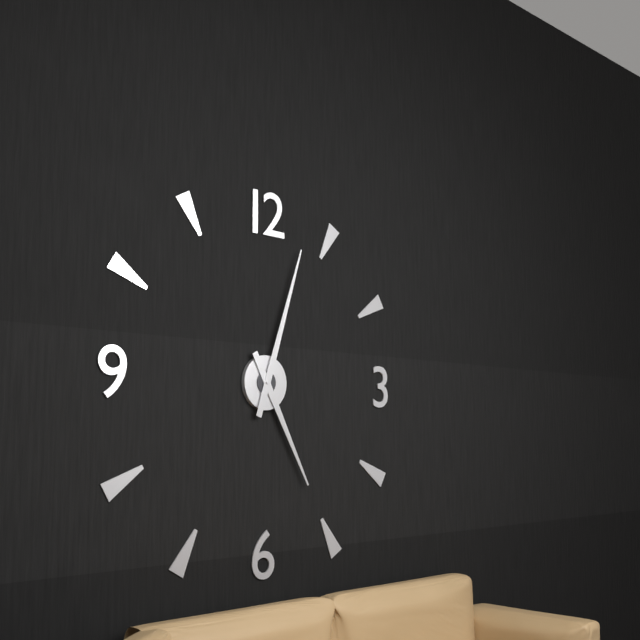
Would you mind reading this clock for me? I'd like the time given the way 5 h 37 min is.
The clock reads 5 h 03 min
